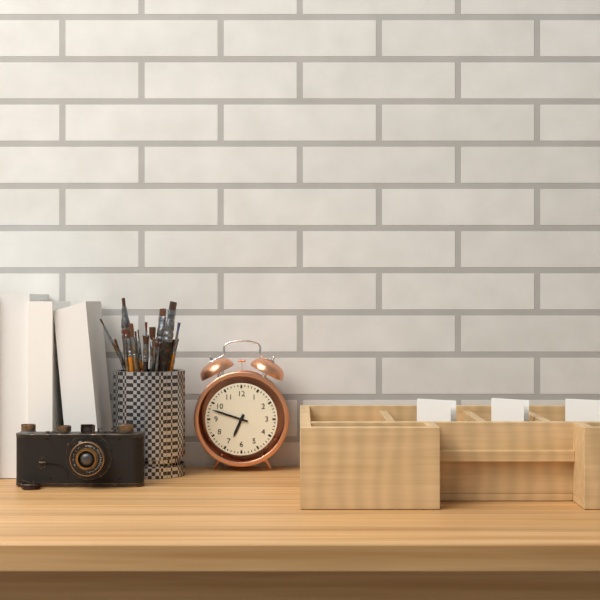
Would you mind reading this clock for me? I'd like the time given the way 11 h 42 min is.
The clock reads 6 h 48 min
